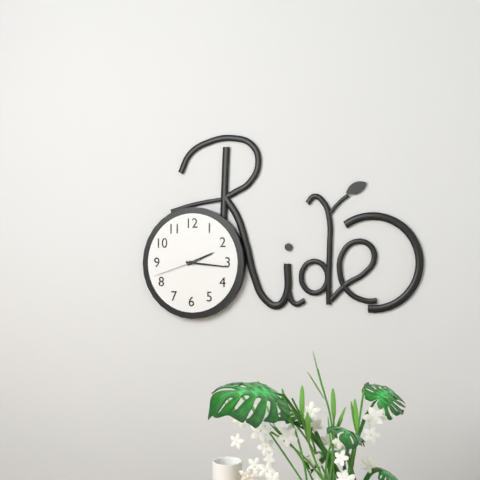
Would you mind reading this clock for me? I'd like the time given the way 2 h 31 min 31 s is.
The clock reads 2 h 16 min 42 s
